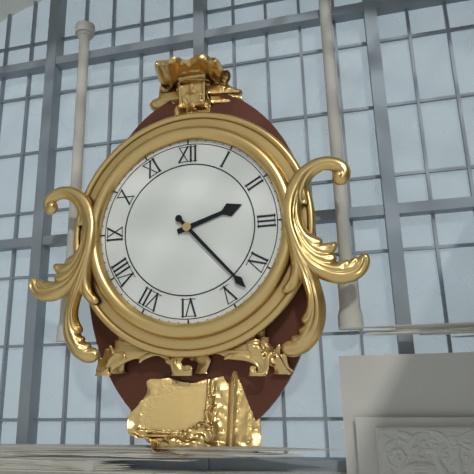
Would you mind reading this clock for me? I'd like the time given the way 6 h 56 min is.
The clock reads 2 h 23 min
